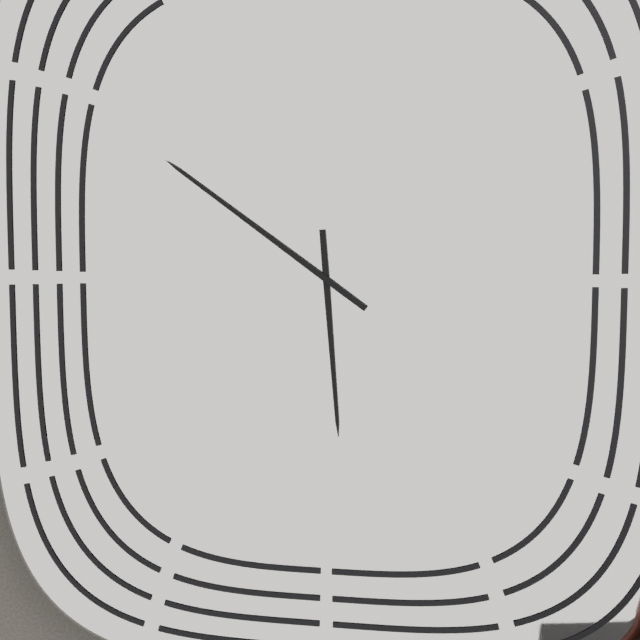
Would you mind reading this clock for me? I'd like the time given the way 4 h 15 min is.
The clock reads 5 h 51 min
